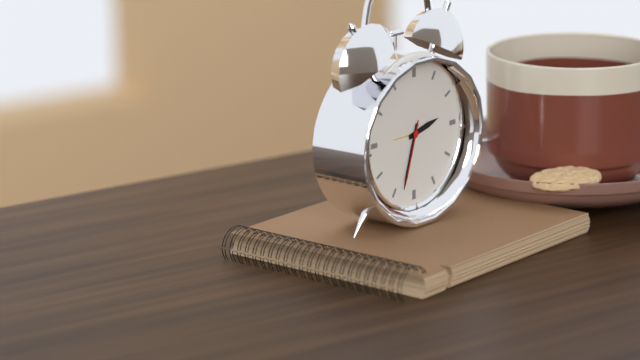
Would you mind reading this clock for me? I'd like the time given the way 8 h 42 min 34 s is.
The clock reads 2 h 33 min 33 s
